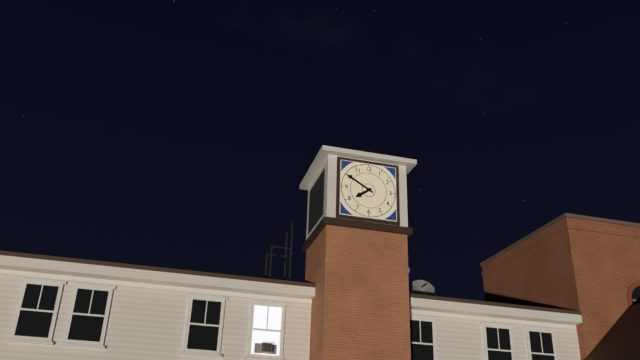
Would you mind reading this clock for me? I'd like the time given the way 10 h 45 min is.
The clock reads 7 h 50 min
